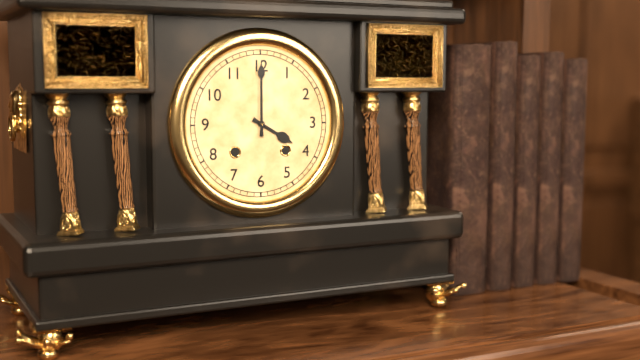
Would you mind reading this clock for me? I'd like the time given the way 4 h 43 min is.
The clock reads 4 h 00 min
